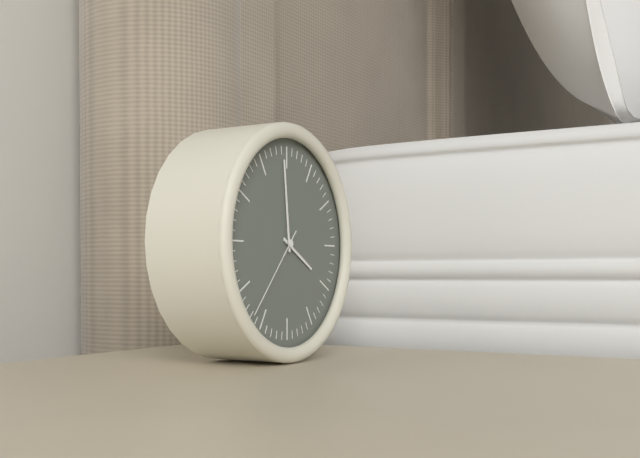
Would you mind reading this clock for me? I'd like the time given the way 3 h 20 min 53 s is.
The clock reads 3 h 59 min 37 s
